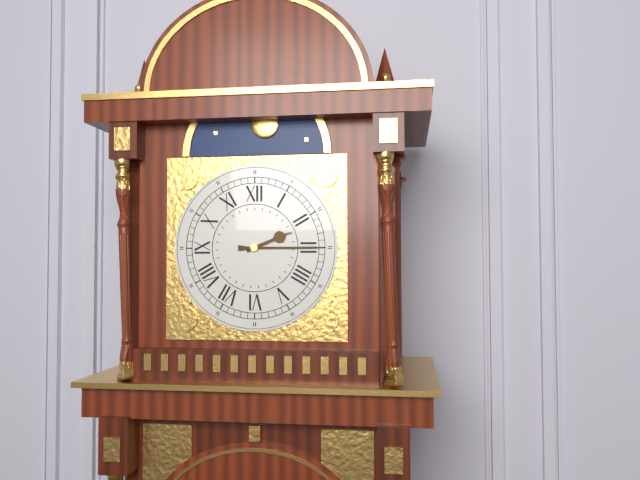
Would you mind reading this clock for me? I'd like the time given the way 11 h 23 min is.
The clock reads 2 h 15 min
